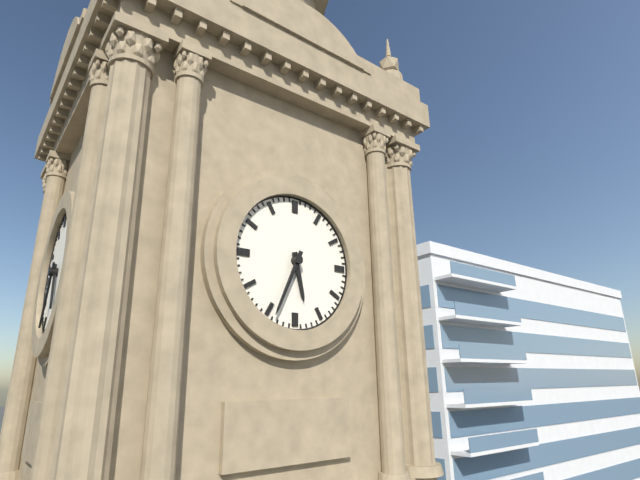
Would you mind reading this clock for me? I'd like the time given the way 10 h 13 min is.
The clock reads 5 h 34 min
